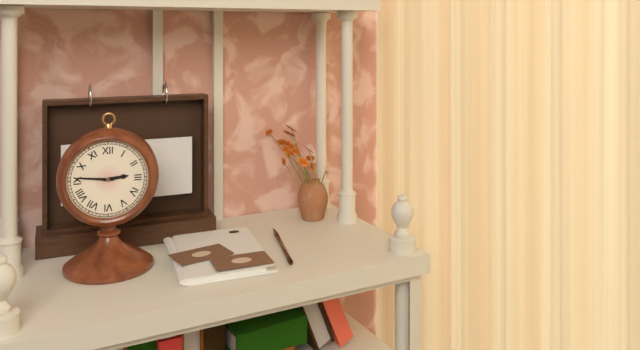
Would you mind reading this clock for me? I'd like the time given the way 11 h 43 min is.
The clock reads 2 h 46 min
